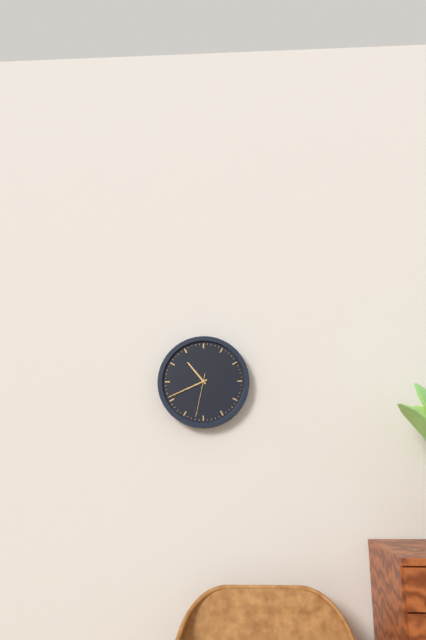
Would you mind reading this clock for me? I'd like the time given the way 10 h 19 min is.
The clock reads 10 h 41 min
